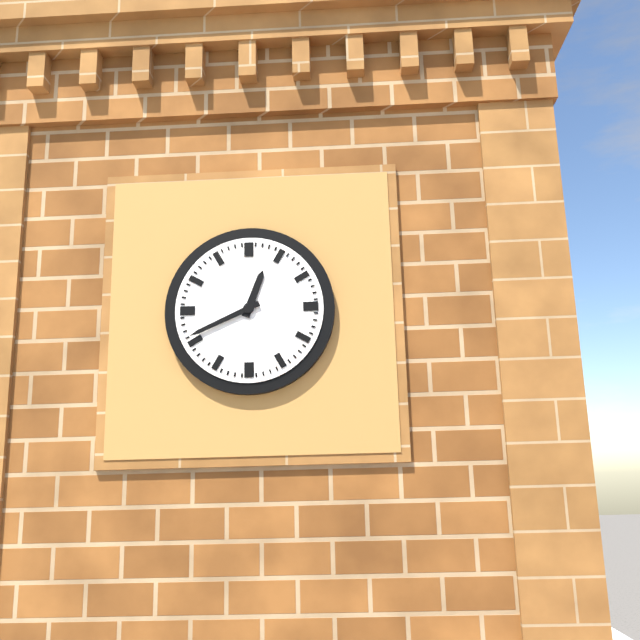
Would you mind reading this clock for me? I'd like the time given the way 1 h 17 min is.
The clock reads 12 h 41 min
